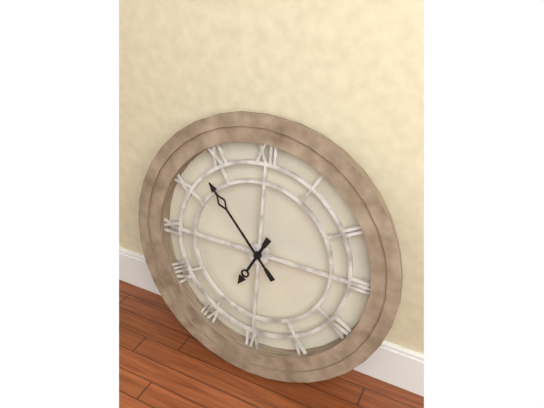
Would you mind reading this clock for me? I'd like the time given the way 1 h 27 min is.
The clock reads 6 h 53 min
